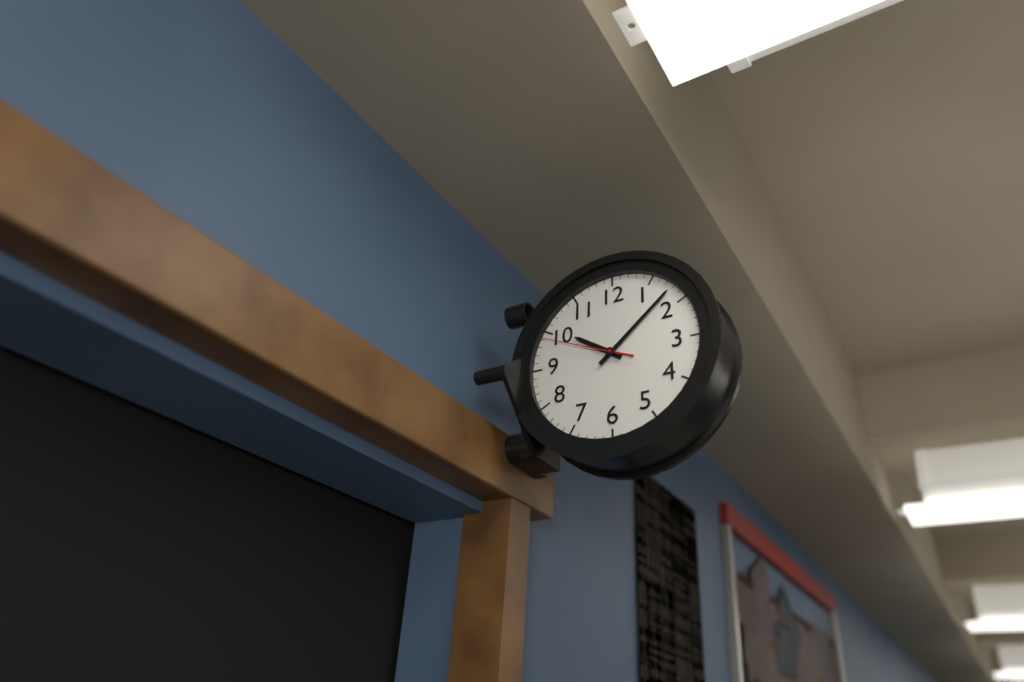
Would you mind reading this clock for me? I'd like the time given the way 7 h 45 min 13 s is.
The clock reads 10 h 08 min 49 s
